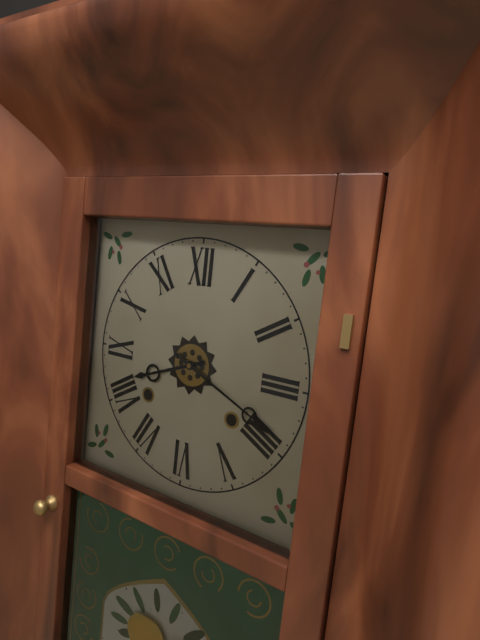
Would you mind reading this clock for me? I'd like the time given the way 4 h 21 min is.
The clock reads 8 h 19 min
